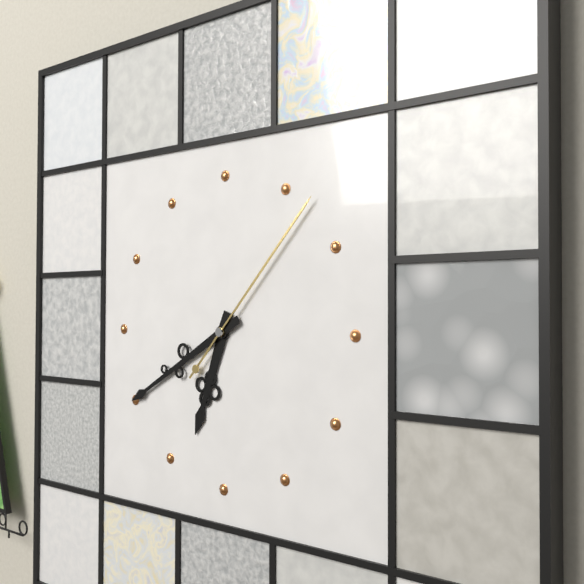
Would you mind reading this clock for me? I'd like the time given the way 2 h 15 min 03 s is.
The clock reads 6 h 40 min 07 s
